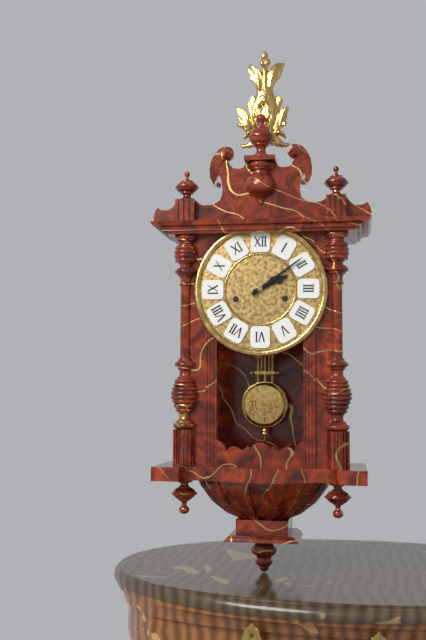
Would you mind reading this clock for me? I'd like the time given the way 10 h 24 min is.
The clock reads 2 h 09 min
